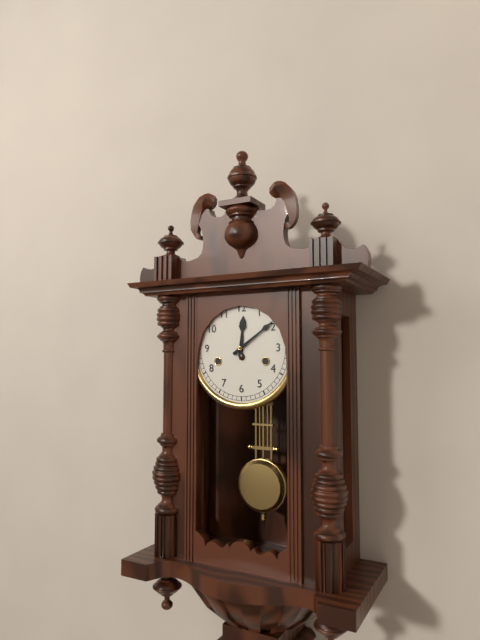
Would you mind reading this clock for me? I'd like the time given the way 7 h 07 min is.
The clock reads 12 h 09 min
